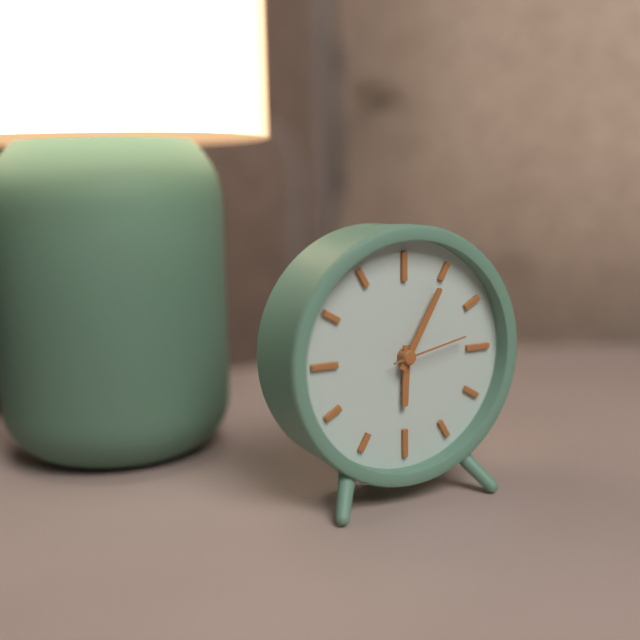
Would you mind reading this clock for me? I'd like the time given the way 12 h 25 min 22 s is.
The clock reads 6 h 05 min 13 s
